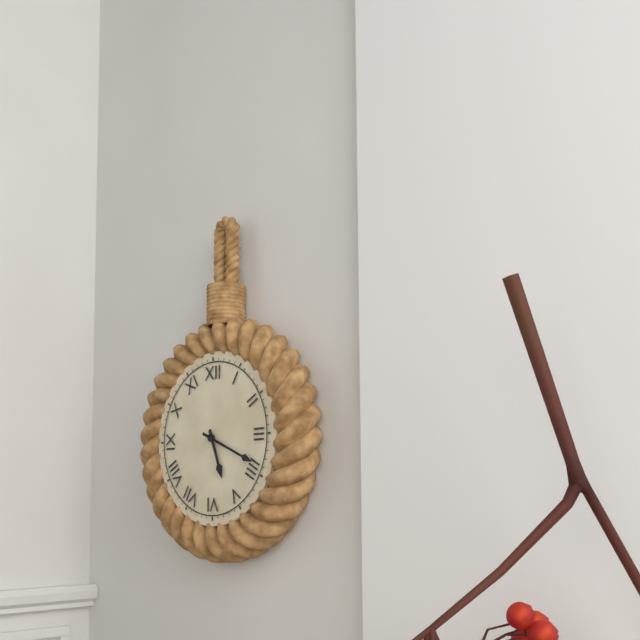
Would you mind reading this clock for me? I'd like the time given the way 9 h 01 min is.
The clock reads 5 h 19 min
